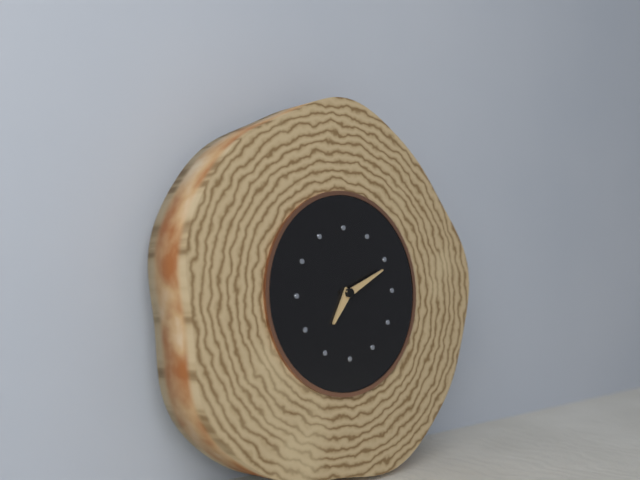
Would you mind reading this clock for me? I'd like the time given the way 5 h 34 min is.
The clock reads 7 h 11 min
